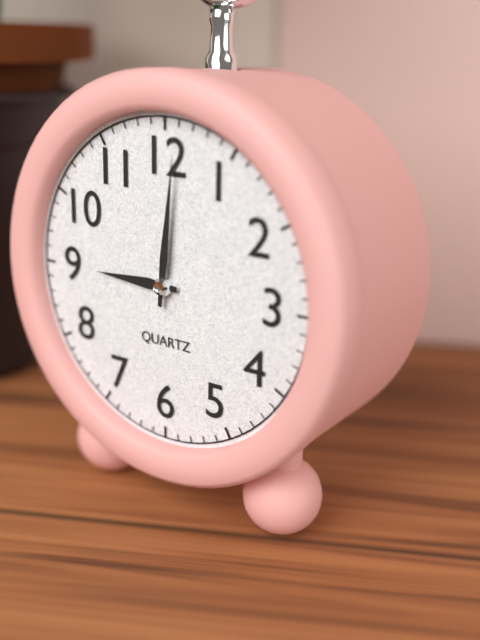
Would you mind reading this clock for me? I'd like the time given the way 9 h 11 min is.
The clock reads 9 h 01 min
